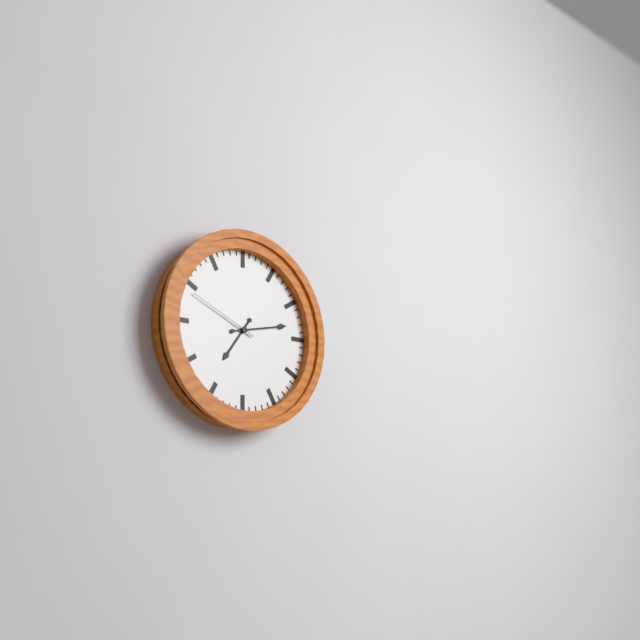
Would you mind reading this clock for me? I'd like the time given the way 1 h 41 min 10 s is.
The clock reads 7 h 13 min 49 s
